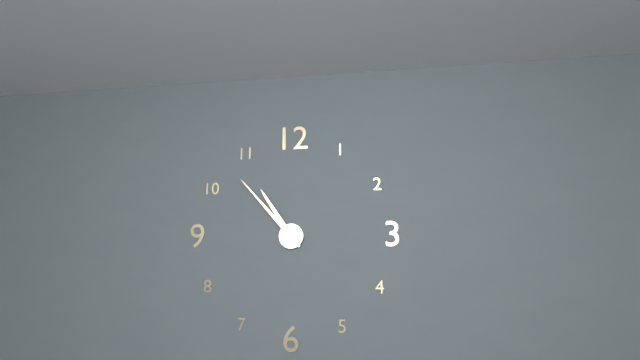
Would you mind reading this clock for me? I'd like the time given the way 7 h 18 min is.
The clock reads 10 h 53 min
